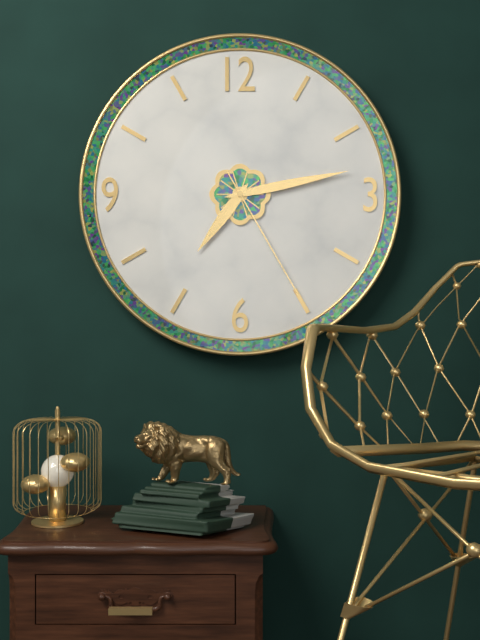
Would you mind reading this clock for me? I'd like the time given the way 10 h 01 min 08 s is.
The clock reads 7 h 13 min 25 s
